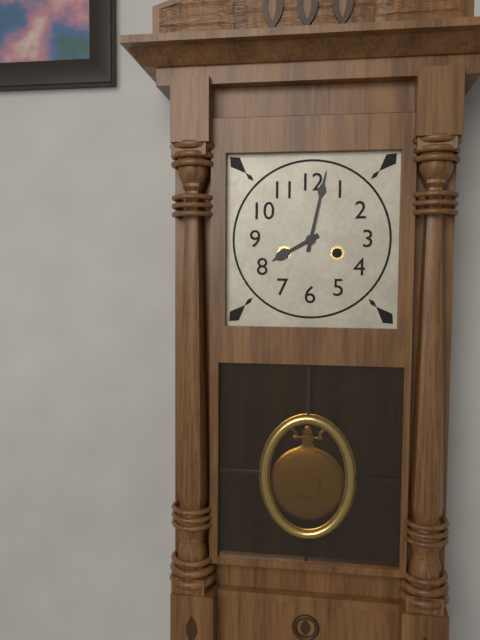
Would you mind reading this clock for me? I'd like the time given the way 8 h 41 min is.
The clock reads 8 h 02 min
